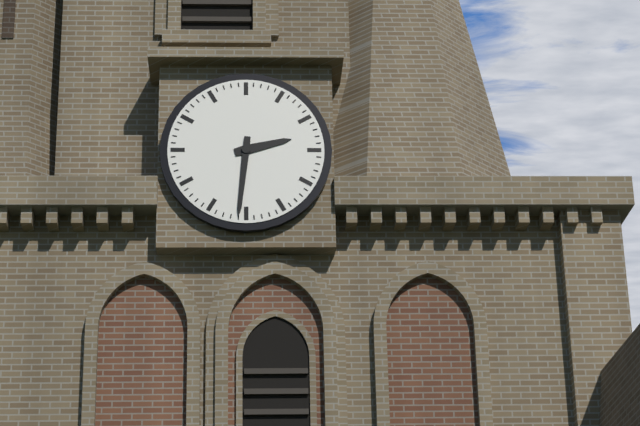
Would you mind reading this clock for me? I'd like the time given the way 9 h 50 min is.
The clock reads 2 h 31 min
